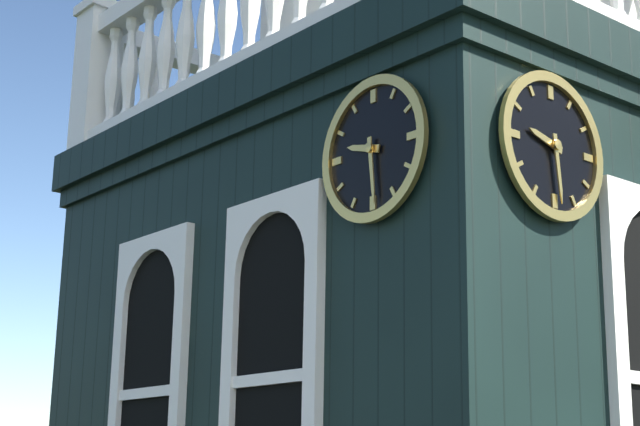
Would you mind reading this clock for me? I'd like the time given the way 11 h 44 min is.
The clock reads 9 h 29 min
